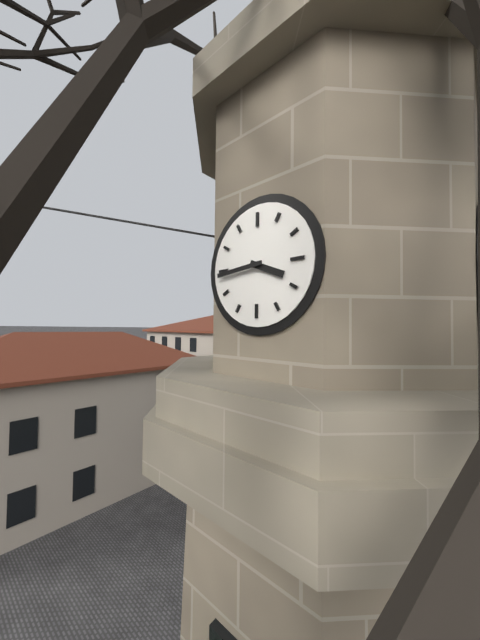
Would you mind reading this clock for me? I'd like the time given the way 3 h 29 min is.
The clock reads 3 h 44 min
